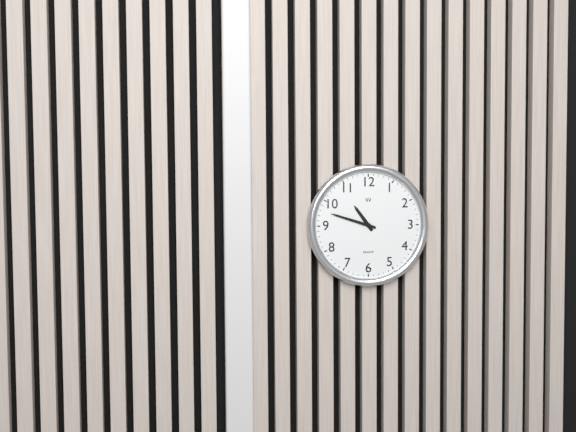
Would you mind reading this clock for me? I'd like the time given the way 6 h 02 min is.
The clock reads 10 h 48 min
